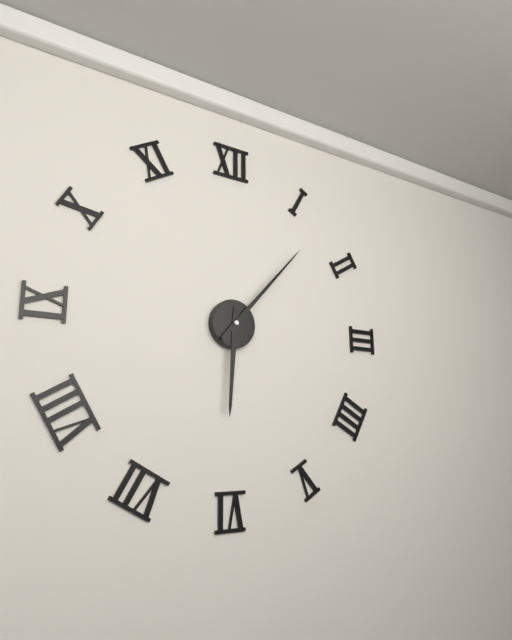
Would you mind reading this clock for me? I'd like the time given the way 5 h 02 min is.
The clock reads 6 h 07 min
